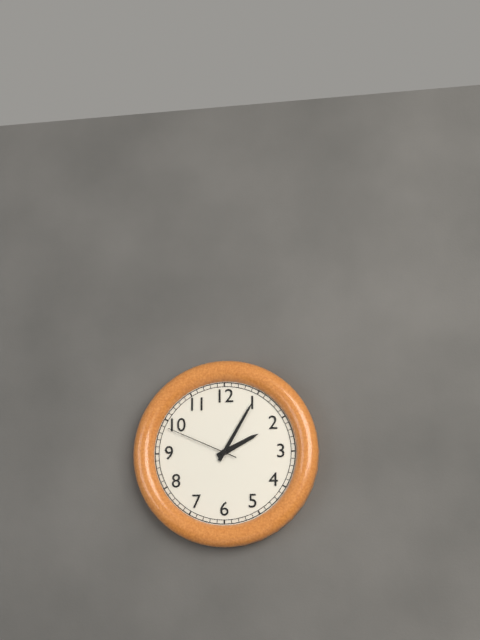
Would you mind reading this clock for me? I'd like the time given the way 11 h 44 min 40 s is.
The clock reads 2 h 05 min 49 s
